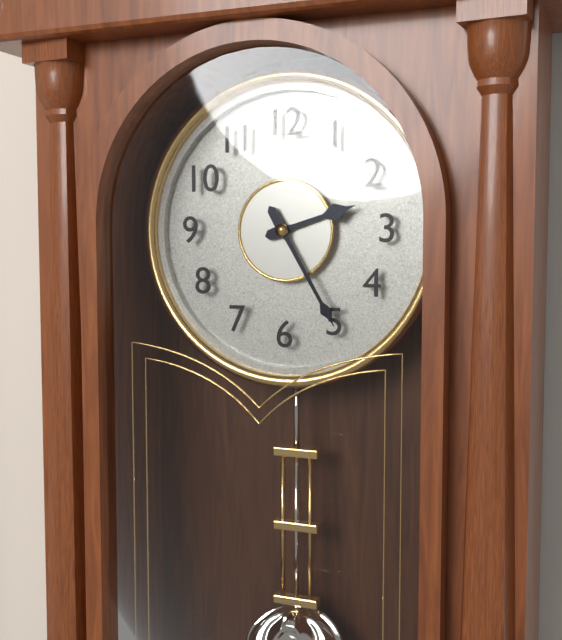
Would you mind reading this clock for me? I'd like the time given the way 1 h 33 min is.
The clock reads 2 h 25 min
